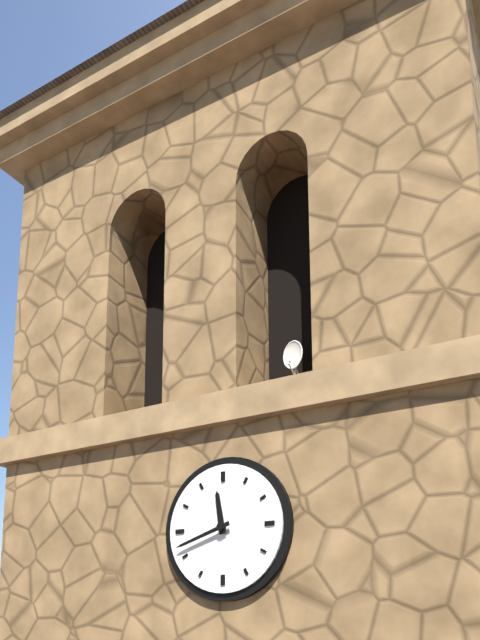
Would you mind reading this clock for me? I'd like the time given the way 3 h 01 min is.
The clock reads 11 h 42 min
